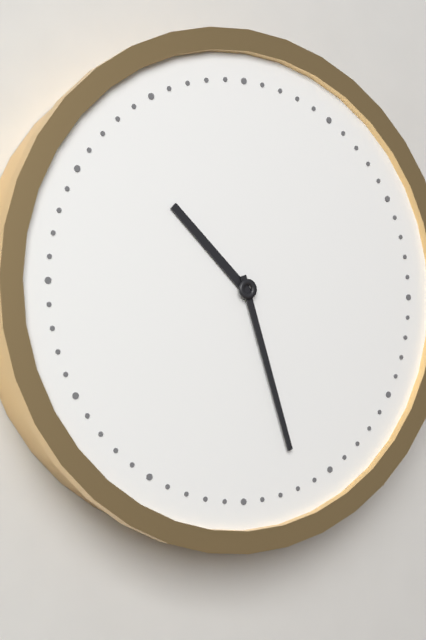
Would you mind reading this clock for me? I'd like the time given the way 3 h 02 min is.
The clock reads 10 h 27 min
